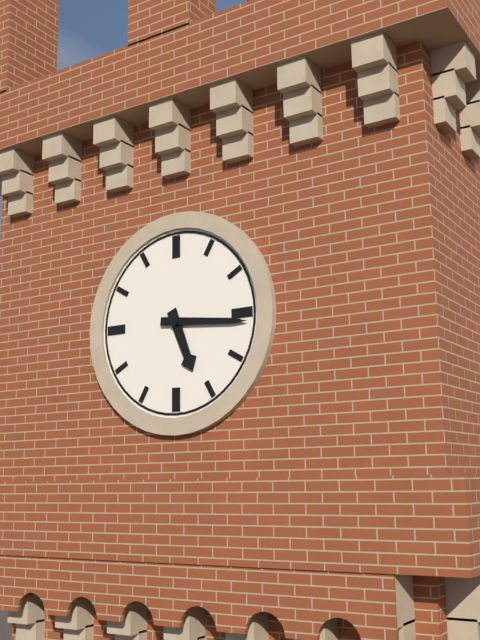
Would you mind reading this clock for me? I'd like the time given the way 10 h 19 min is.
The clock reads 5 h 16 min
